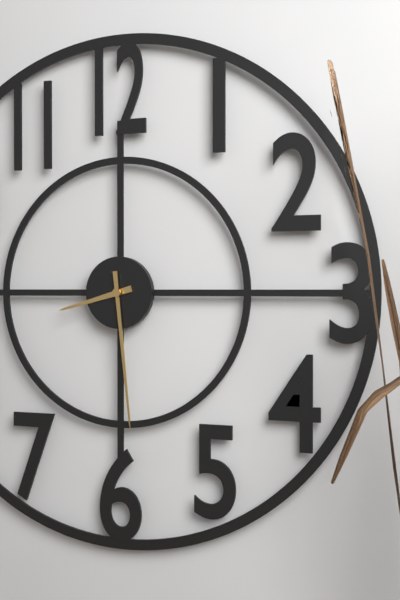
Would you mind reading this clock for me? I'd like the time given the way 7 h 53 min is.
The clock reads 8 h 29 min
